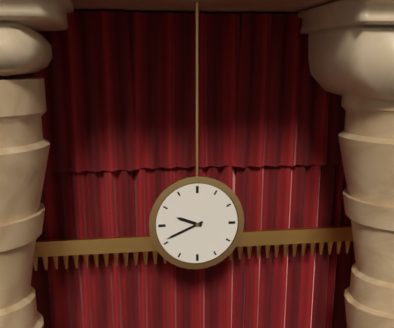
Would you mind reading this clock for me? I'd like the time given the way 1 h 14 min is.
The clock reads 9 h 41 min
